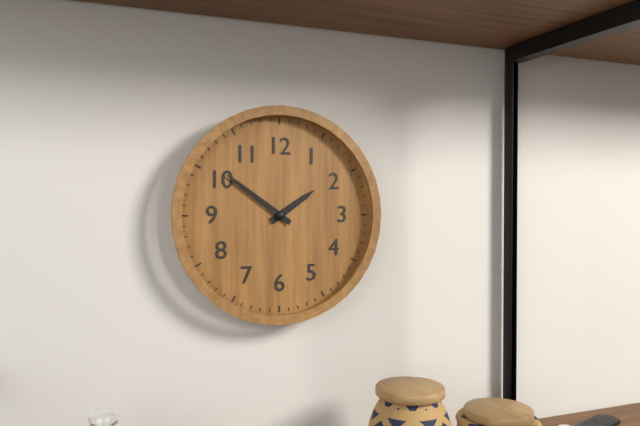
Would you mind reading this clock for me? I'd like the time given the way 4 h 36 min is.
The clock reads 1 h 51 min
